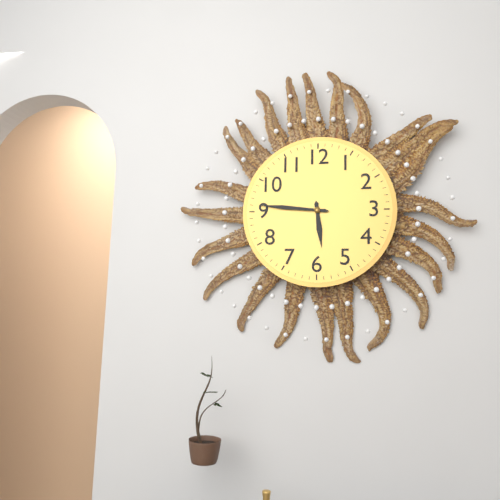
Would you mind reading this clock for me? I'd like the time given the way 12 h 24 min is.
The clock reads 5 h 46 min
